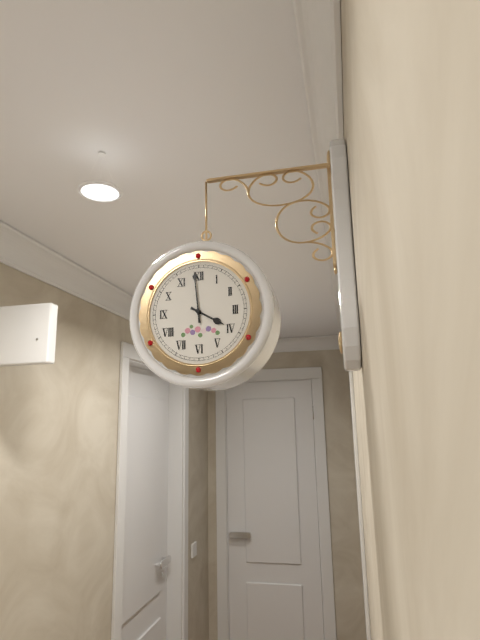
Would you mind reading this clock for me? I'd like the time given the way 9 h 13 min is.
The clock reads 3 h 59 min
